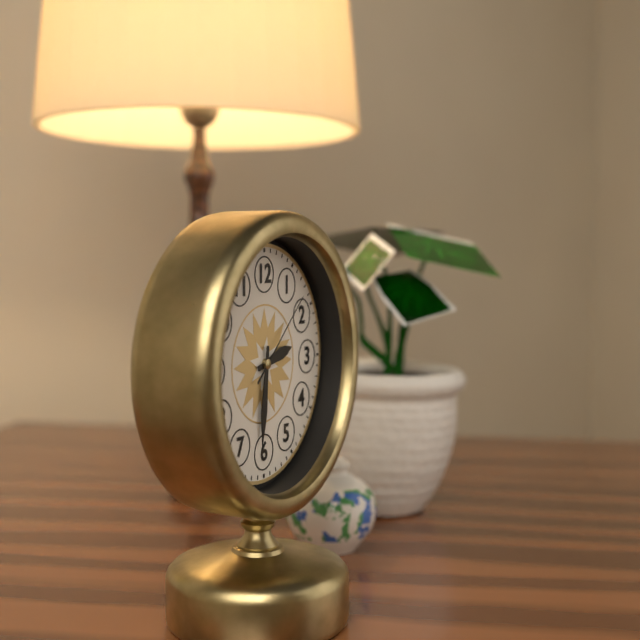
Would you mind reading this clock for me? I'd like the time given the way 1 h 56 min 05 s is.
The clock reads 2 h 31 min 08 s
